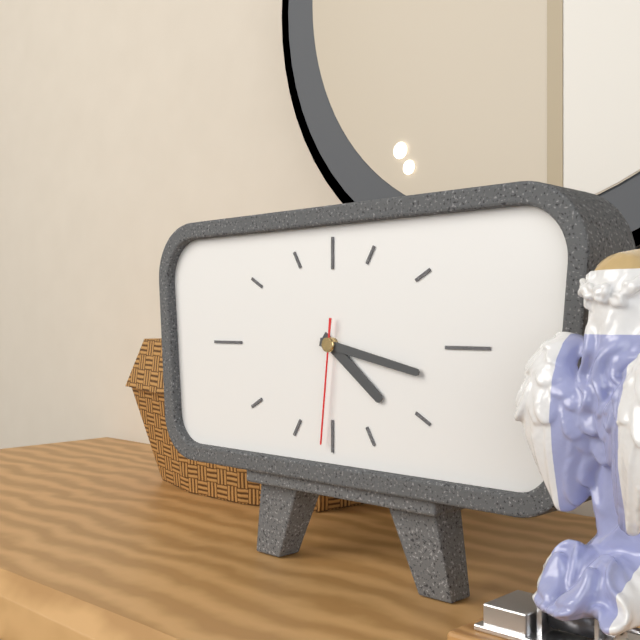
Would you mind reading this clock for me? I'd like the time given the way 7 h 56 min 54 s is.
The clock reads 4 h 17 min 31 s
